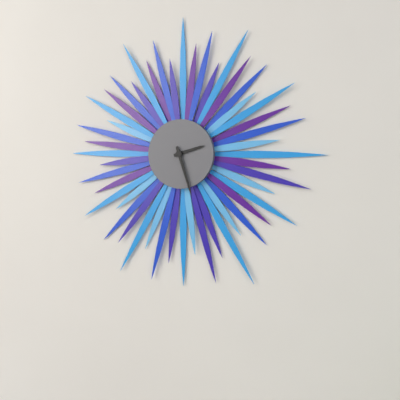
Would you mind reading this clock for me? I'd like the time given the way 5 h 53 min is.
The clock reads 2 h 27 min
